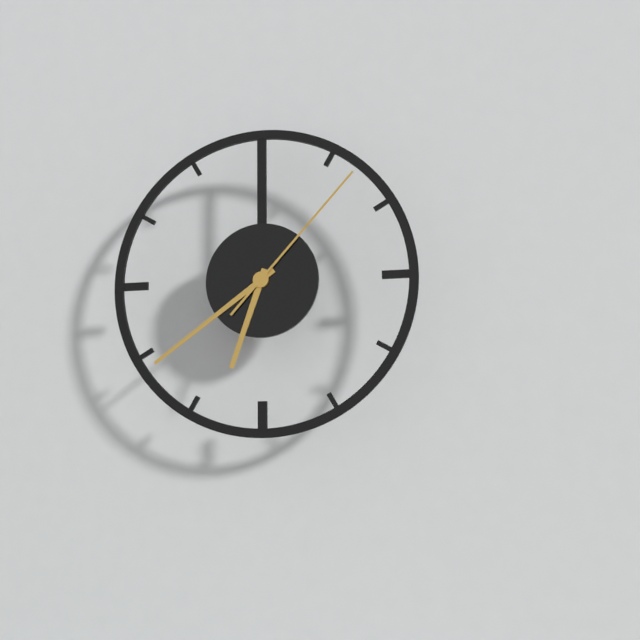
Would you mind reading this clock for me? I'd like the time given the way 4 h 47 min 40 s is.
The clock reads 6 h 39 min 07 s
